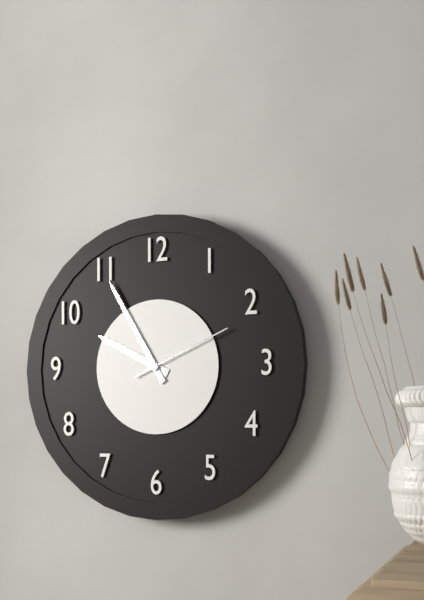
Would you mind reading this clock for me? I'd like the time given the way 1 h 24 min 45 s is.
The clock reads 9 h 55 min 11 s
